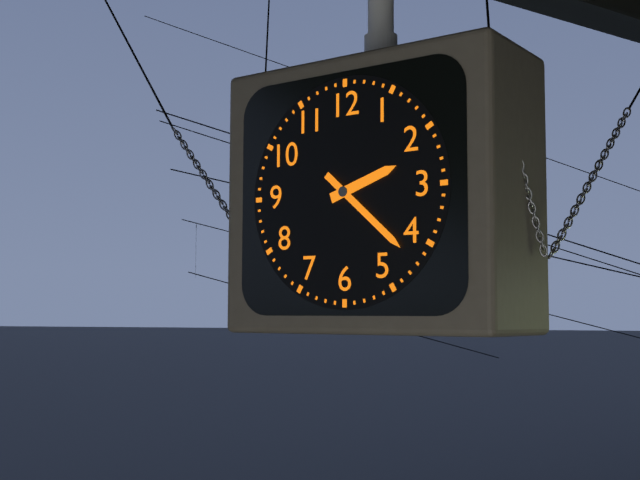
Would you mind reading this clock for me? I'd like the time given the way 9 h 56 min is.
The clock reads 2 h 22 min
